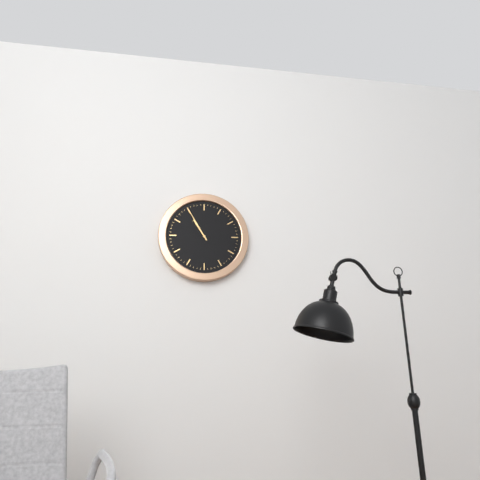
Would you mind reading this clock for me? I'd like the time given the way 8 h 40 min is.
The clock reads 10 h 55 min
